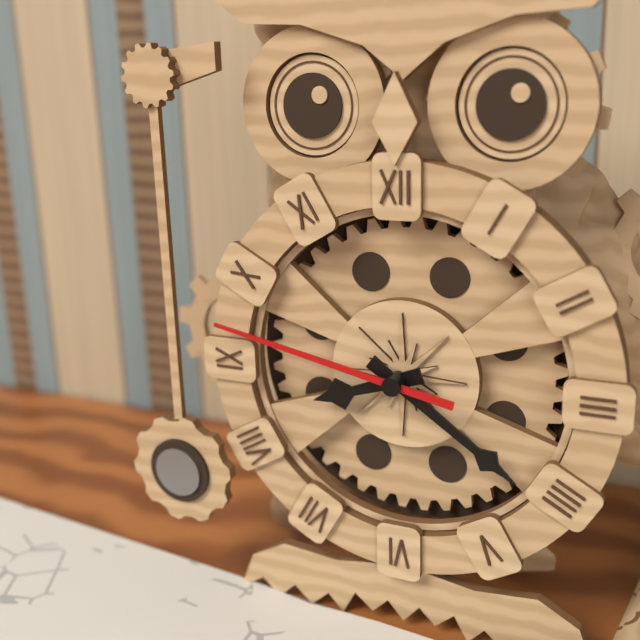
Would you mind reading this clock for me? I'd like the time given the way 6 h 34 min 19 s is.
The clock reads 8 h 21 min 47 s
